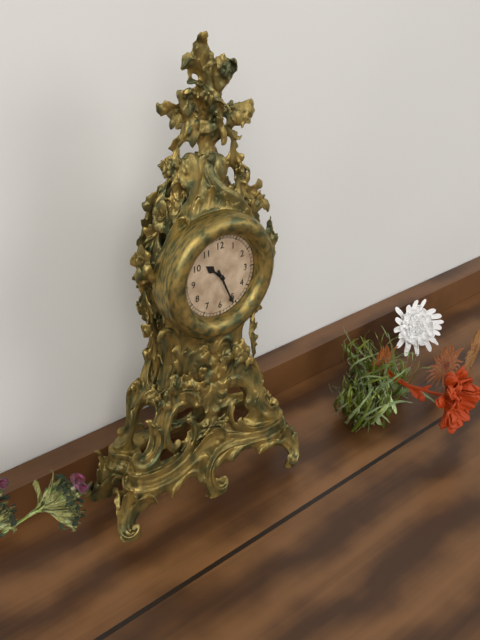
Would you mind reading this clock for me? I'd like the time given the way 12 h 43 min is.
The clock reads 10 h 26 min
